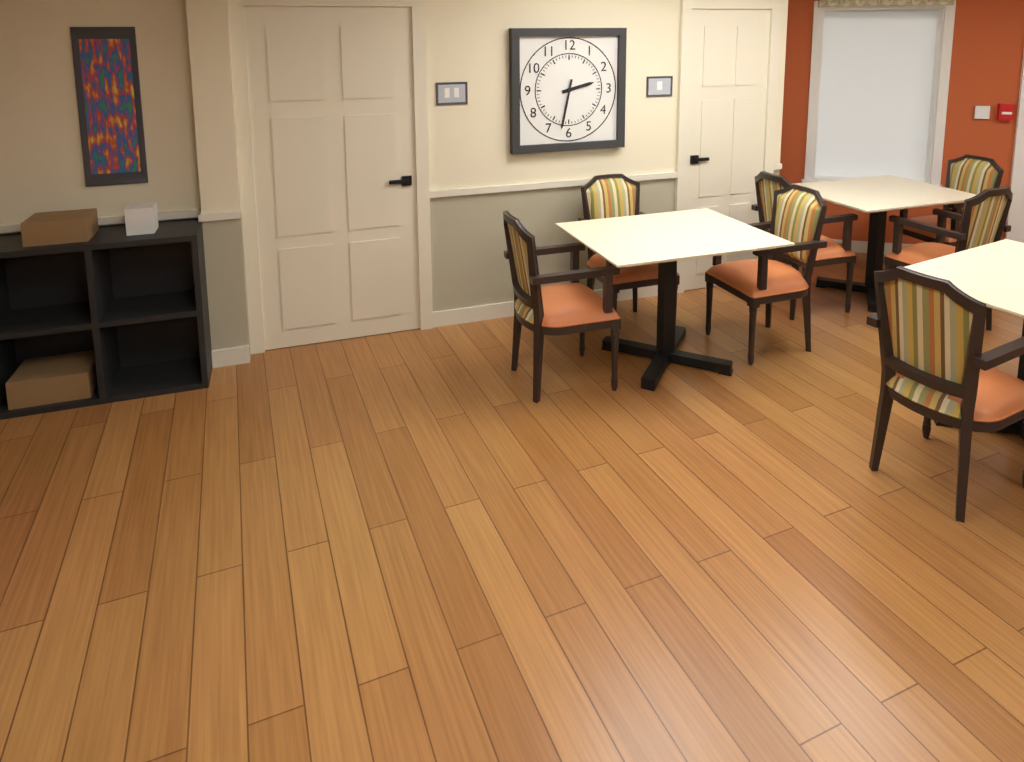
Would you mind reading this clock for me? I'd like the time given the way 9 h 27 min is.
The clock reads 2 h 32 min
